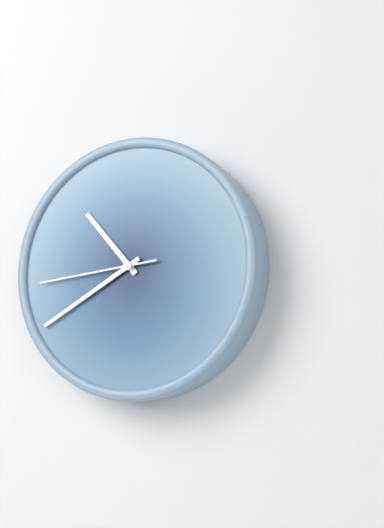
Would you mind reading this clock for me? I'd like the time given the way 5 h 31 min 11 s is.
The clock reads 10 h 40 min 44 s
